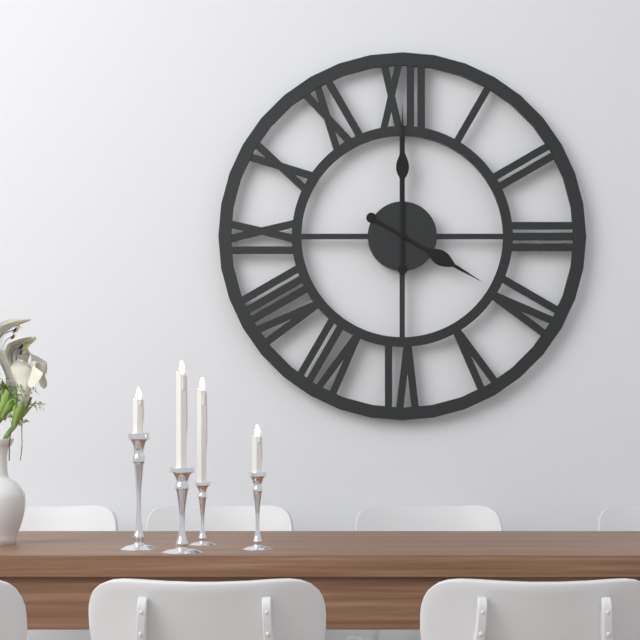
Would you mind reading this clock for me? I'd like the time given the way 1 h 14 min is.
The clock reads 4 h 00 min
